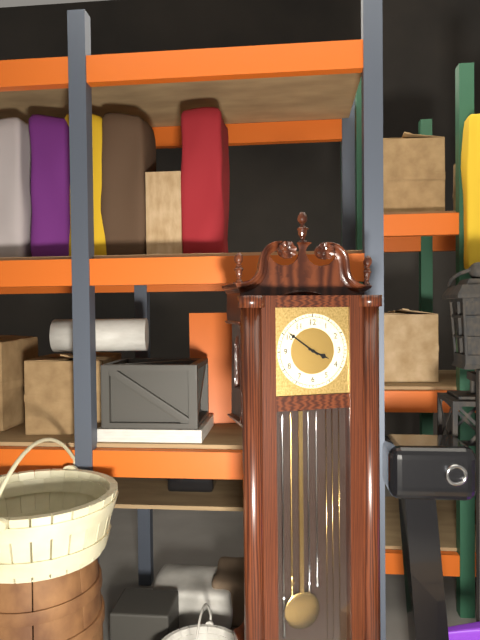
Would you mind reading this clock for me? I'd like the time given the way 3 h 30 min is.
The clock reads 3 h 51 min
